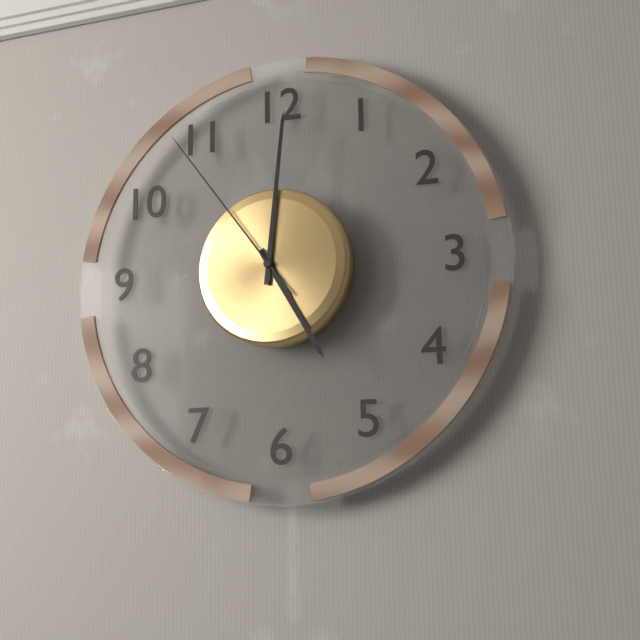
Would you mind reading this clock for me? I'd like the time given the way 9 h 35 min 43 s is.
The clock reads 5 h 01 min 54 s
